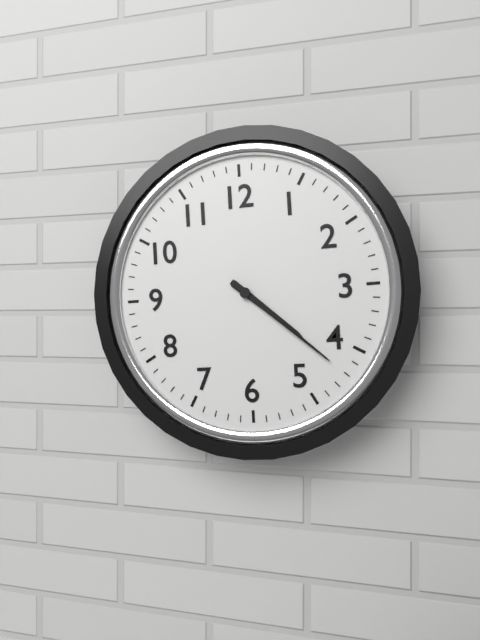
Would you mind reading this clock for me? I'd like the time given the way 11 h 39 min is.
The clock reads 4 h 22 min
